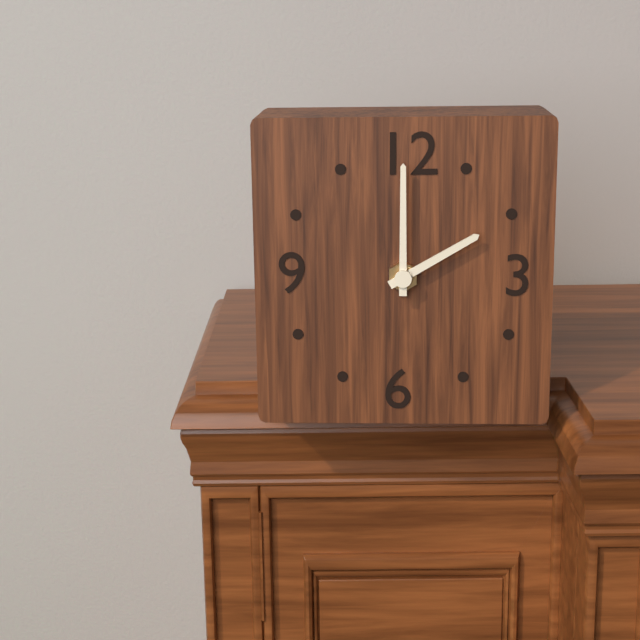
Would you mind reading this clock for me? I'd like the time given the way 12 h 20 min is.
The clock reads 2 h 00 min
